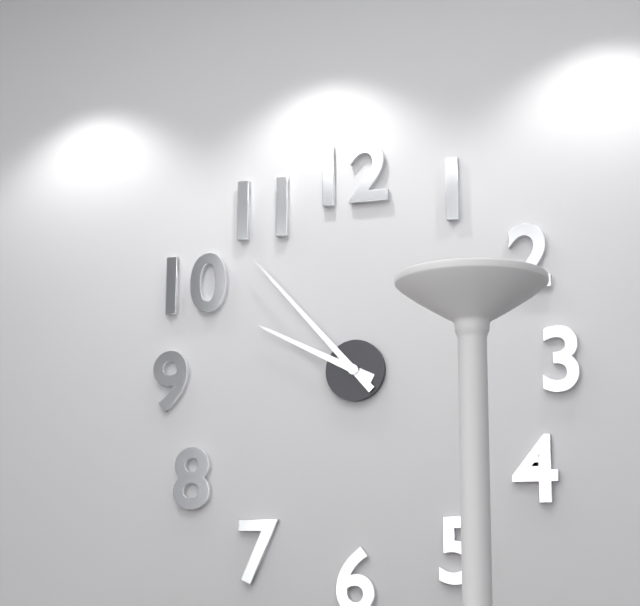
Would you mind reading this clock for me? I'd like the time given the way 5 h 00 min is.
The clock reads 9 h 53 min
